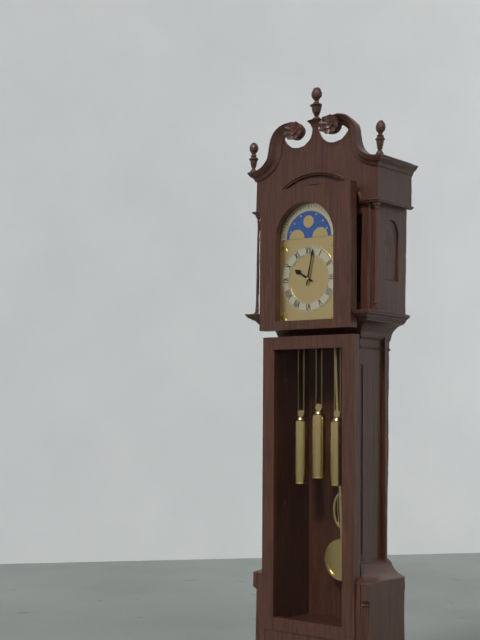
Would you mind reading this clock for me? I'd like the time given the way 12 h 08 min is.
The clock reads 10 h 02 min
